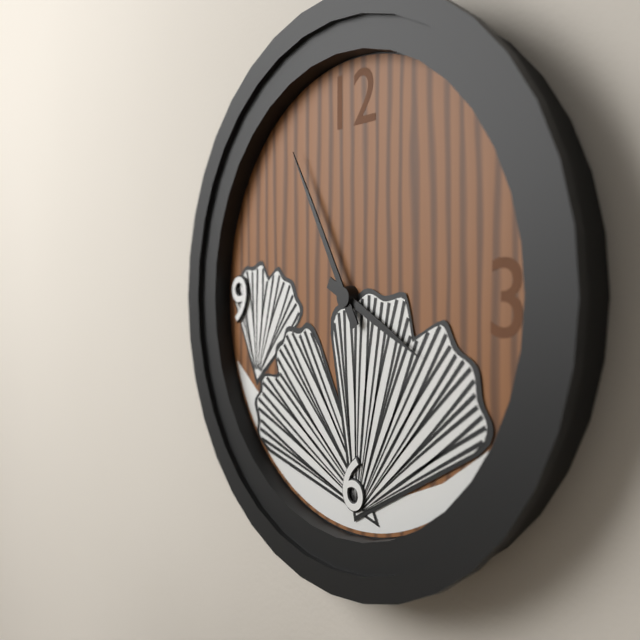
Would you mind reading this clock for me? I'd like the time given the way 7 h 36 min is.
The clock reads 3 h 55 min
